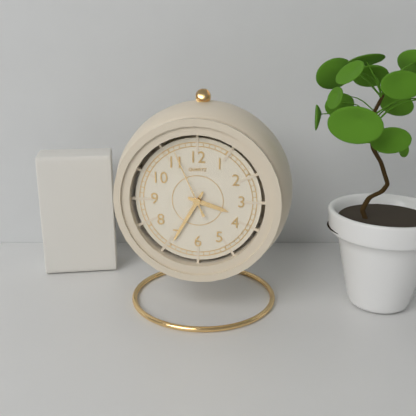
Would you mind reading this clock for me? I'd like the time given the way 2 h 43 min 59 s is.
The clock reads 3 h 35 min 56 s
